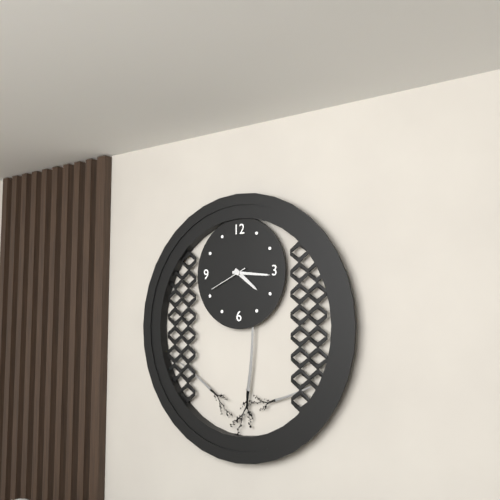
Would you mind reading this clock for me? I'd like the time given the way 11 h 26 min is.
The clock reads 4 h 16 min
